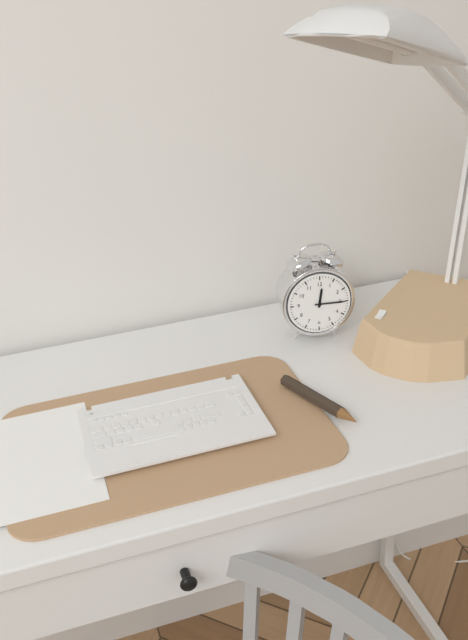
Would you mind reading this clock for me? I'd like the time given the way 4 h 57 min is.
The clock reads 12 h 15 min
